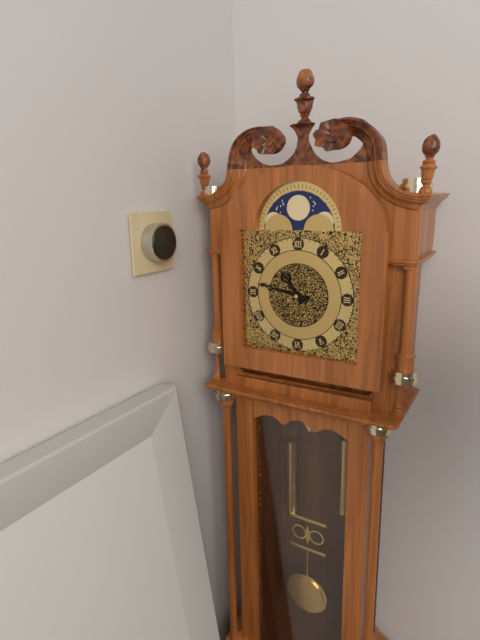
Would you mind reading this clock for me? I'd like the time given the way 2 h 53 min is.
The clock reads 10 h 47 min
